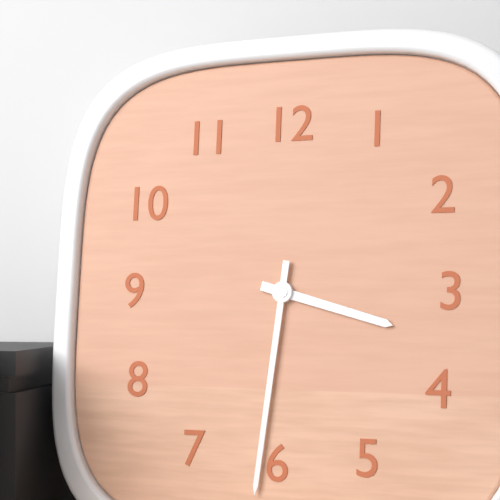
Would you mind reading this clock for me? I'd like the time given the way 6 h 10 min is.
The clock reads 3 h 31 min
